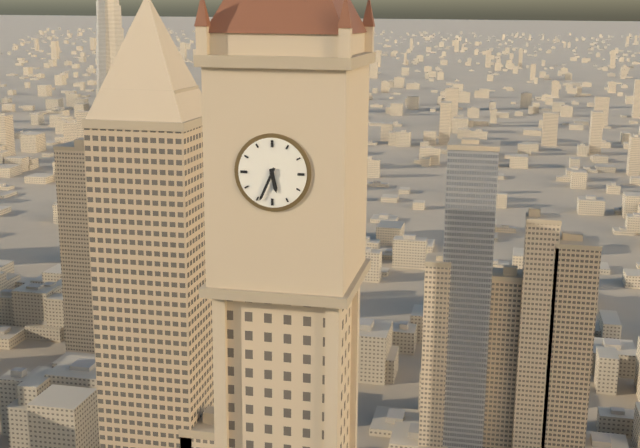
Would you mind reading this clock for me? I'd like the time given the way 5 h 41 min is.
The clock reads 5 h 34 min
